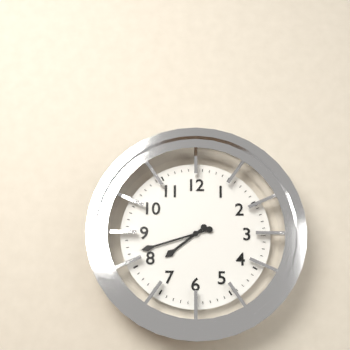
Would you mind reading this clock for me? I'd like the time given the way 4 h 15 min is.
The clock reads 7 h 42 min
